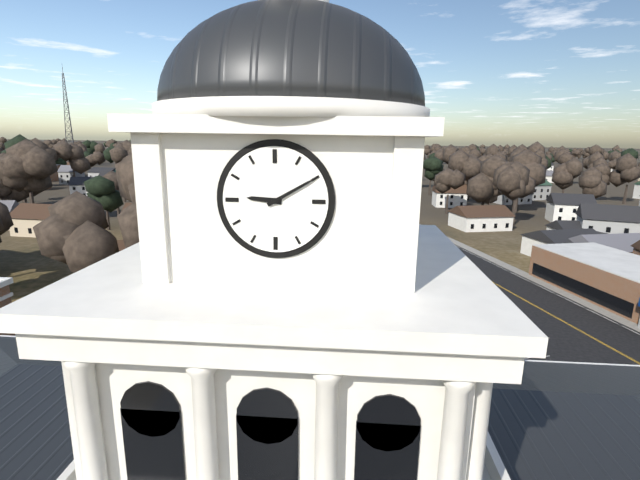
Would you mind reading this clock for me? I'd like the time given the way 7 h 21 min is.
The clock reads 9 h 10 min
